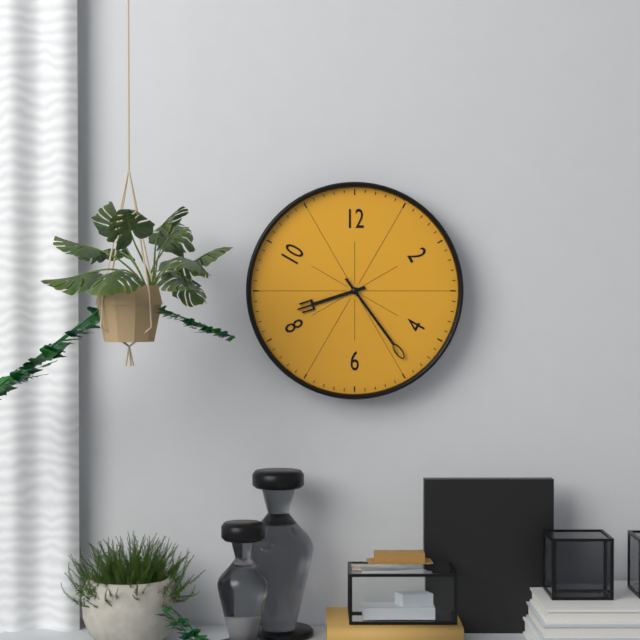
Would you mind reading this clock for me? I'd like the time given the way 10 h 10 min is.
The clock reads 8 h 24 min
